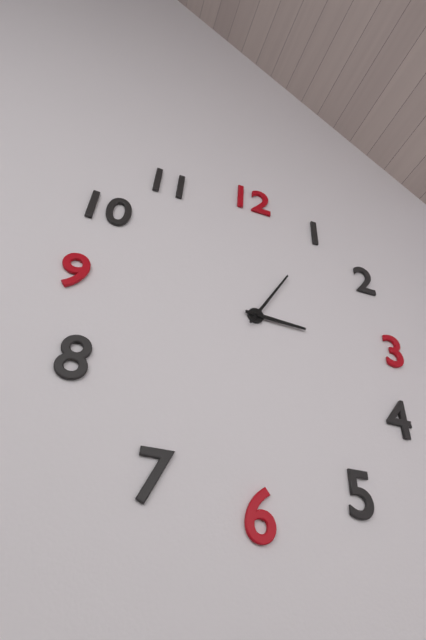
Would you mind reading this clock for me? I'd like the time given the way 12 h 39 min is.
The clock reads 3 h 05 min
